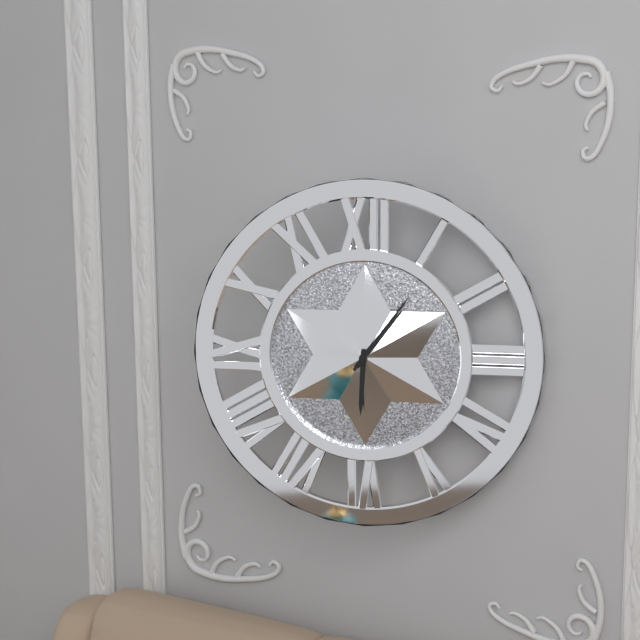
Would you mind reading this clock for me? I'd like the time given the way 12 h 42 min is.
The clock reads 6 h 06 min
